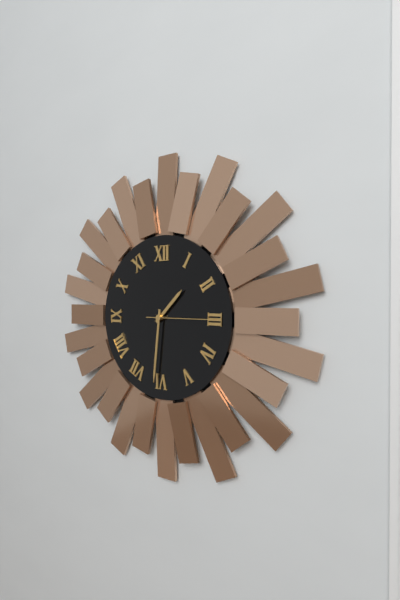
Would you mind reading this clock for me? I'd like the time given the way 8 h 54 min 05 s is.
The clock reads 1 h 31 min 15 s
